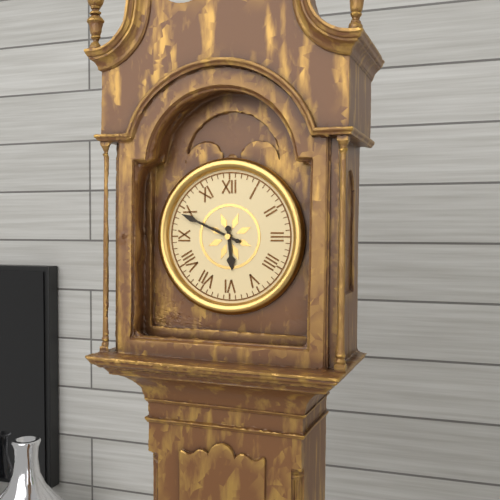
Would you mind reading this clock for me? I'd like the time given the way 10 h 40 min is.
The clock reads 5 h 49 min
